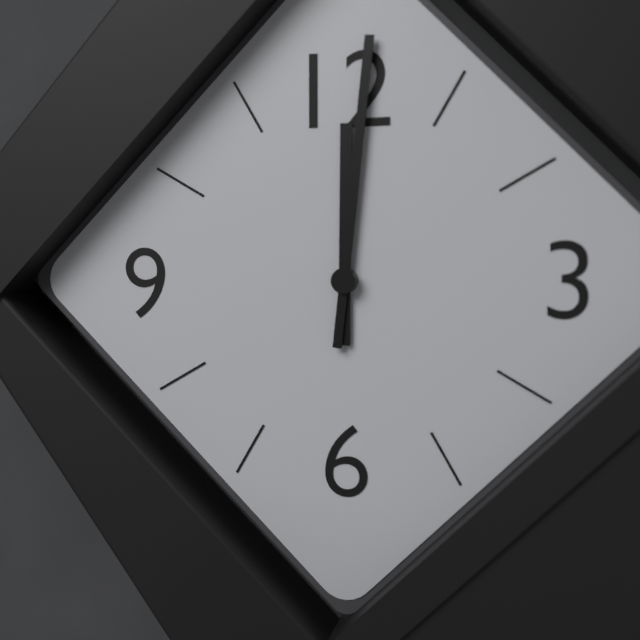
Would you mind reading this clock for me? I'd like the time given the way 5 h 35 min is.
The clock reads 12 h 01 min
